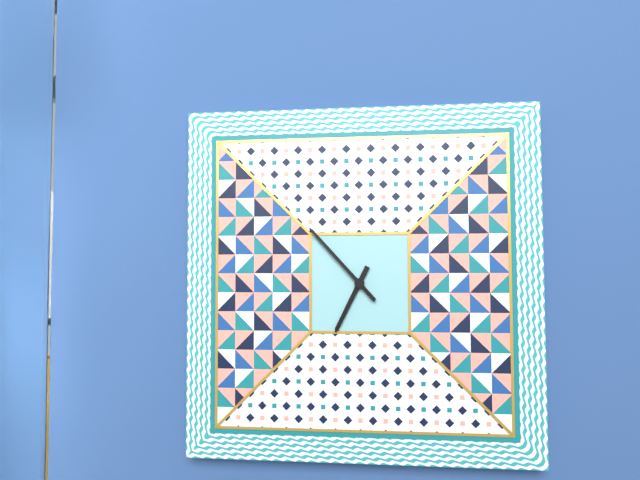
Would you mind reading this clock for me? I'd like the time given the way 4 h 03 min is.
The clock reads 6 h 53 min
